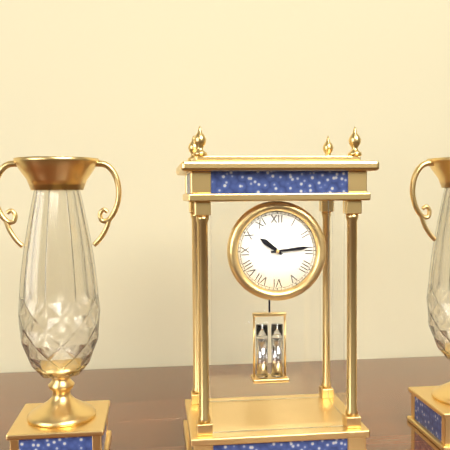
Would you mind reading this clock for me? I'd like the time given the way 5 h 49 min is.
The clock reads 10 h 14 min
